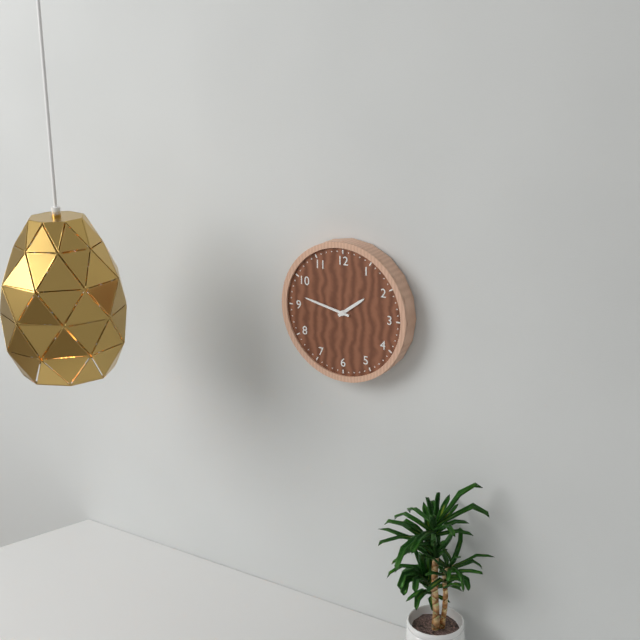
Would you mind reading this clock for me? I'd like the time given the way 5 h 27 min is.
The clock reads 1 h 47 min
